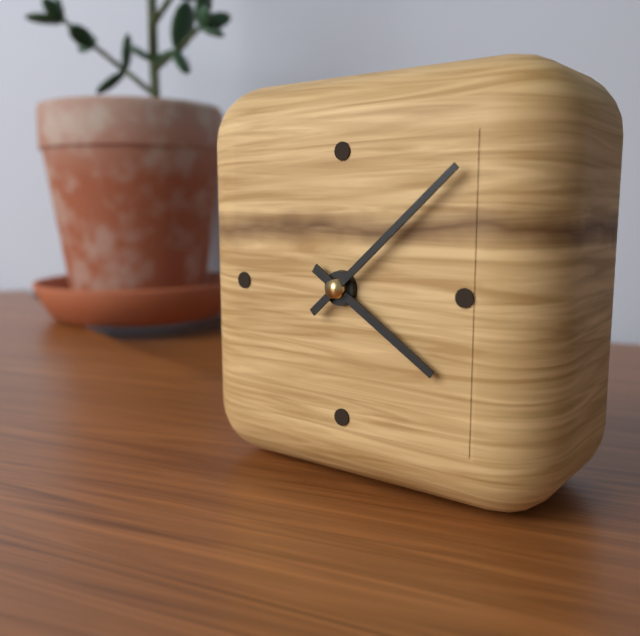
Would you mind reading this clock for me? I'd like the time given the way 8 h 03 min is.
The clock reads 4 h 08 min
